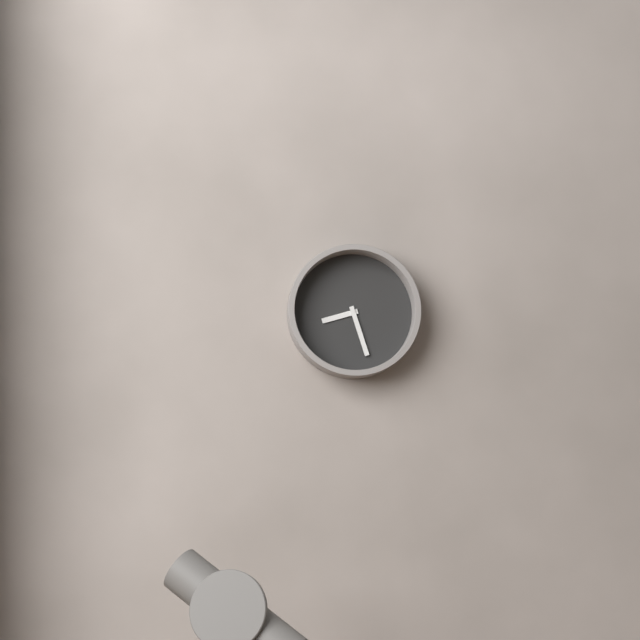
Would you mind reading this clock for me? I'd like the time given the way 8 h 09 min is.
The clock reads 8 h 27 min
